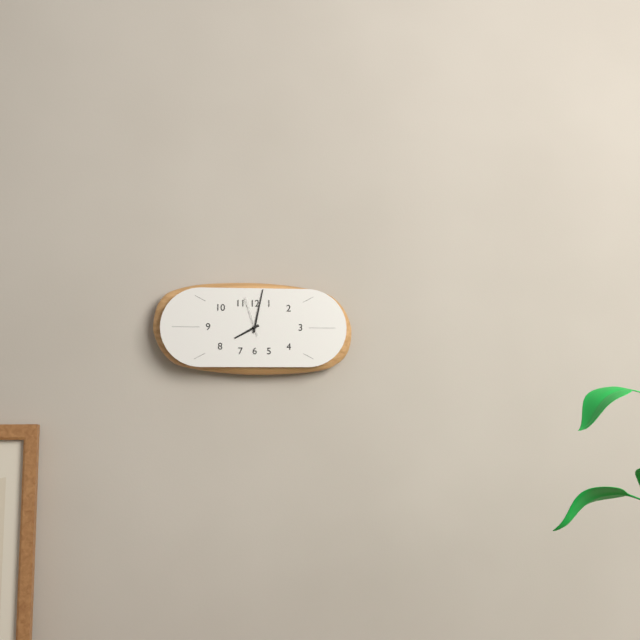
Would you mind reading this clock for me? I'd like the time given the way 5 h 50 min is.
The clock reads 8 h 02 min
